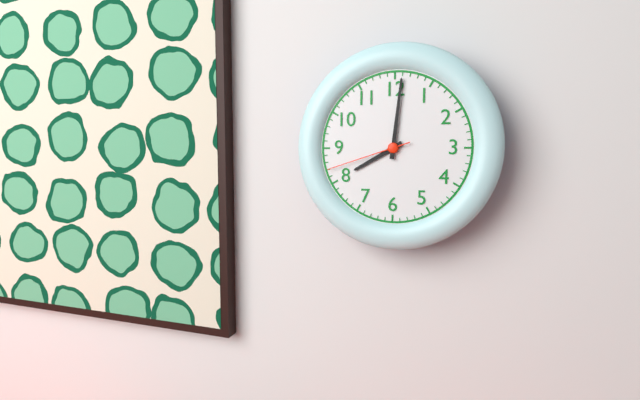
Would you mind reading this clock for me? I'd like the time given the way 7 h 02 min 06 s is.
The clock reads 8 h 01 min 42 s
